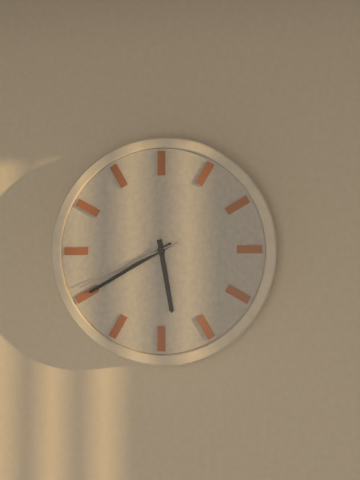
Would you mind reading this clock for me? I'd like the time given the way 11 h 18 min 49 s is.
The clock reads 5 h 40 min 41 s
